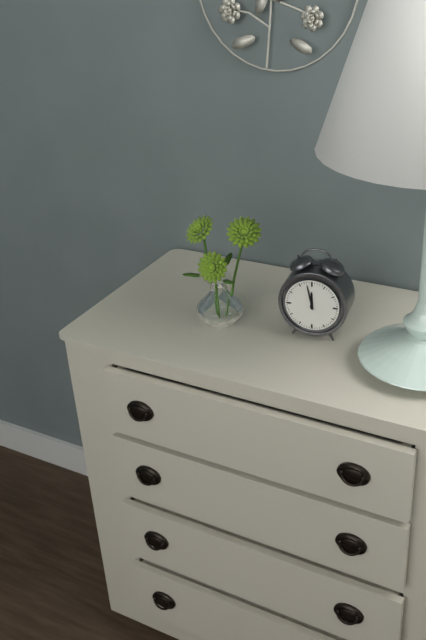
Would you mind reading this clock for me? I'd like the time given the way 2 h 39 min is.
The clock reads 11 h 58 min
